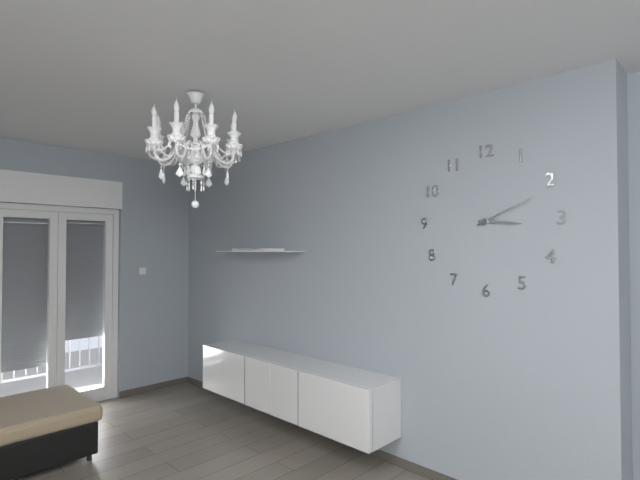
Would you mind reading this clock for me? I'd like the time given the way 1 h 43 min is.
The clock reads 3 h 11 min
